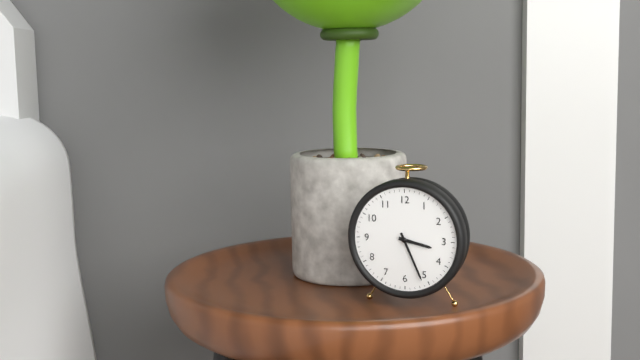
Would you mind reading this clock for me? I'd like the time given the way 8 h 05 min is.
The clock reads 3 h 26 min
